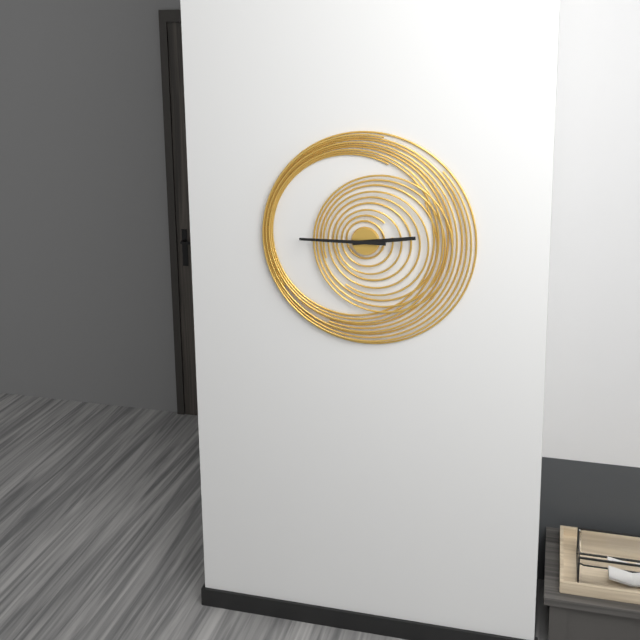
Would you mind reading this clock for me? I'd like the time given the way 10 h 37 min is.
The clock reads 2 h 45 min
